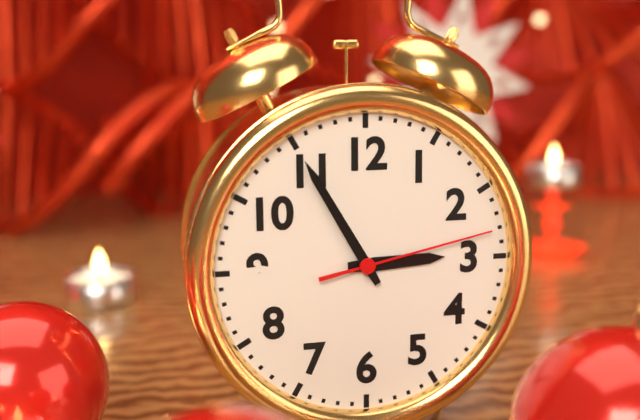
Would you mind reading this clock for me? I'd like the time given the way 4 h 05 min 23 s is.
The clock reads 2 h 55 min 13 s
